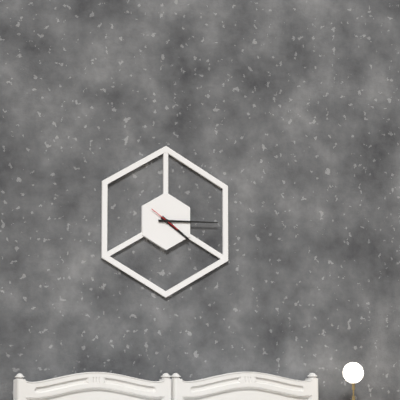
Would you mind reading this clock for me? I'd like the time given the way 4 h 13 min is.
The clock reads 4 h 15 min
